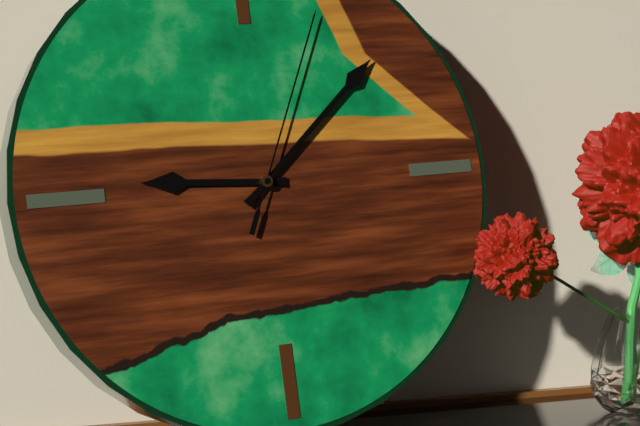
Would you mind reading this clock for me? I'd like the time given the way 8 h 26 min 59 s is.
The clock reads 9 h 08 min 04 s
